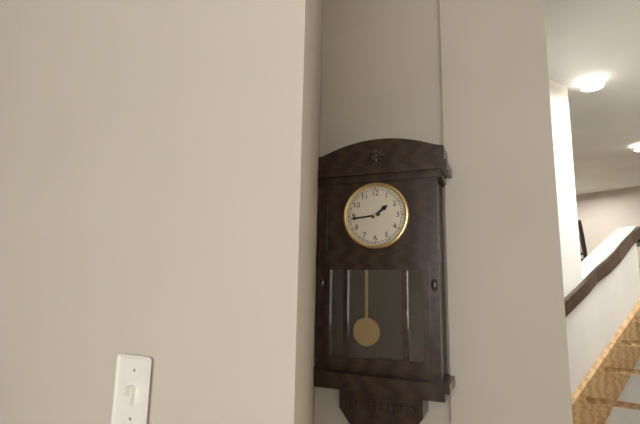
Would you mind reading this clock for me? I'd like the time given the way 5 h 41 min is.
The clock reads 1 h 44 min
